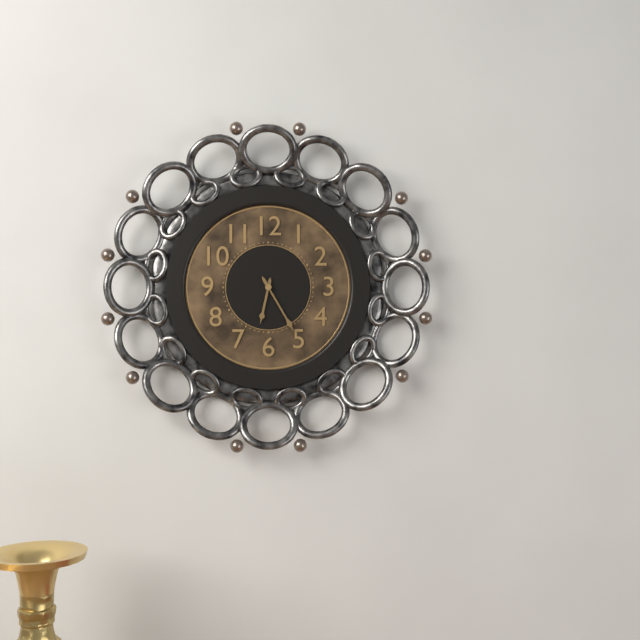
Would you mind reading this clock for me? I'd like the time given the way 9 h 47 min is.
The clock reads 6 h 25 min
